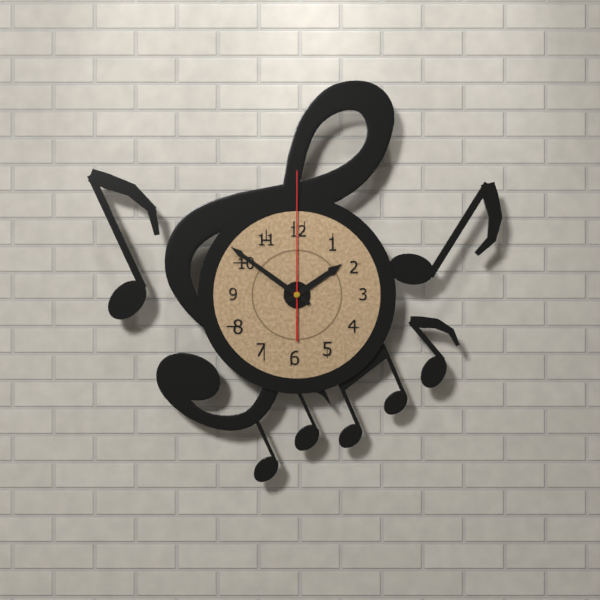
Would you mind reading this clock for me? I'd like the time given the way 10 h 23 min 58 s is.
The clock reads 1 h 51 min 00 s
